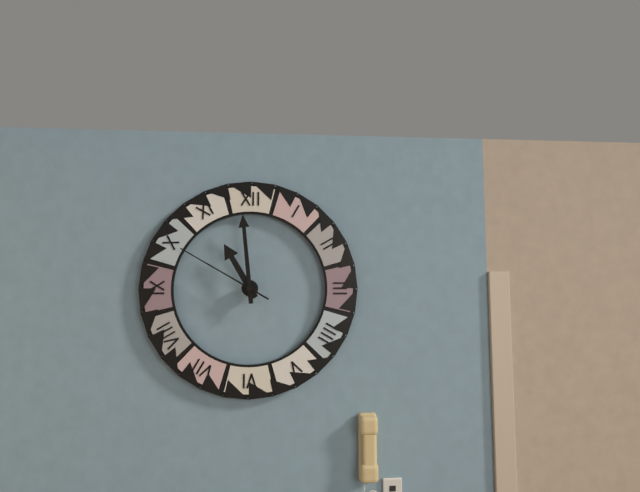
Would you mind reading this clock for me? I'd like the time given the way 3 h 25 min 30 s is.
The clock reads 10 h 59 min 50 s
